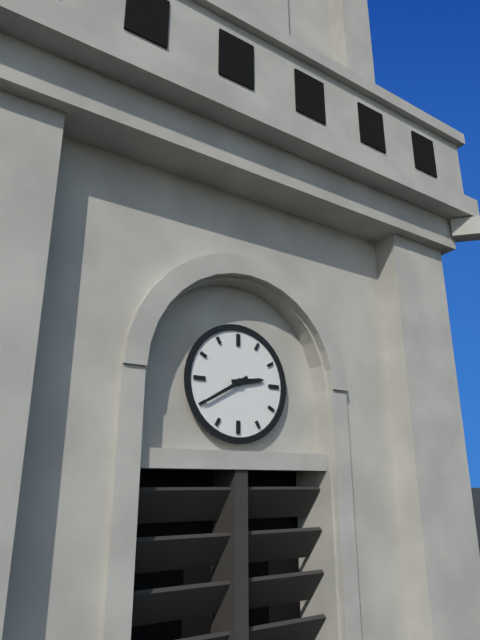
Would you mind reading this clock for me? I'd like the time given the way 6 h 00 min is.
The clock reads 2 h 40 min
